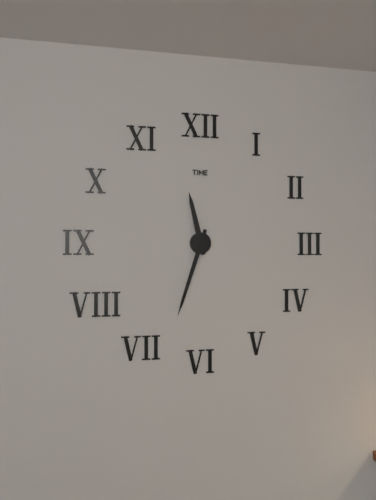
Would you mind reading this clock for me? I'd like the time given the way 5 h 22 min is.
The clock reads 11 h 33 min
